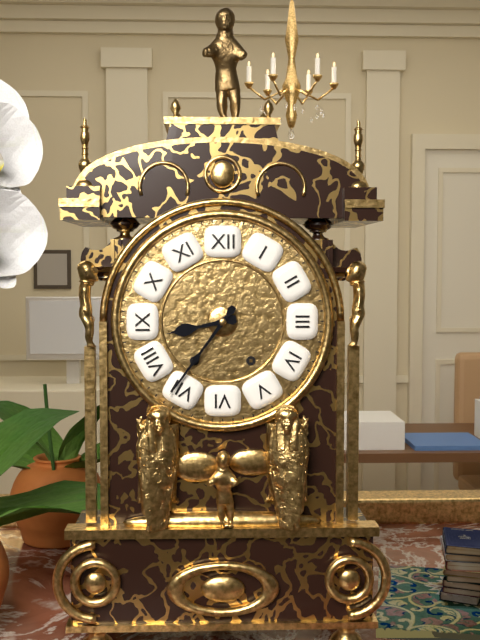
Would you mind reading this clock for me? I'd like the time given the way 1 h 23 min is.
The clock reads 8 h 36 min
